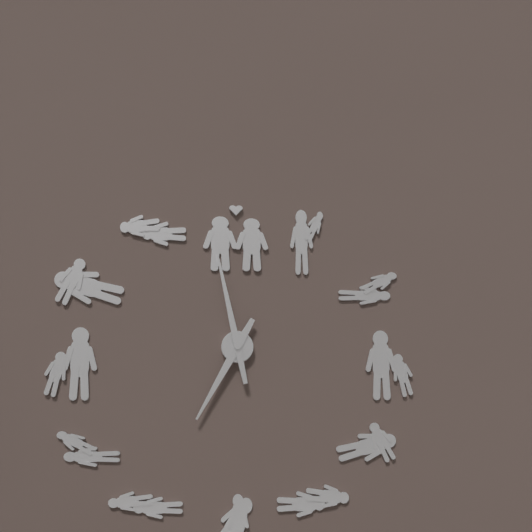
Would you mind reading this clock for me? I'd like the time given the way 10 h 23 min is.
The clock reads 6 h 58 min
